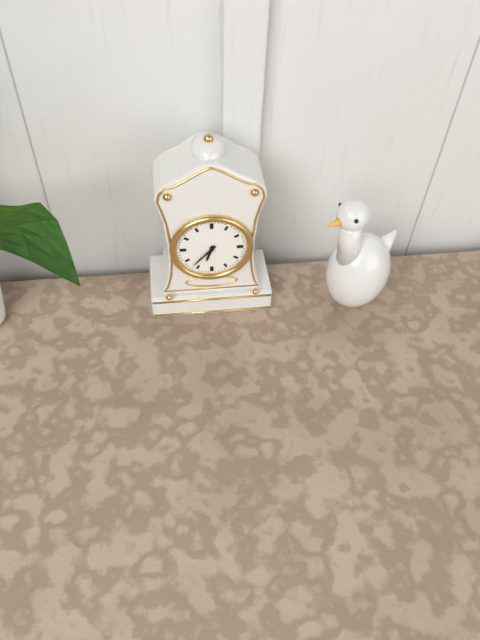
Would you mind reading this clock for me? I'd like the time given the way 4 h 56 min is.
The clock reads 6 h 37 min
